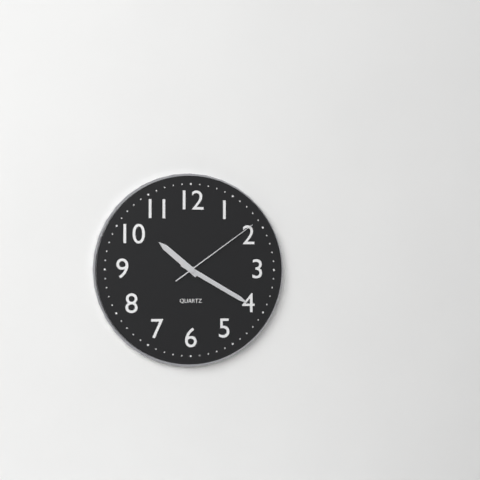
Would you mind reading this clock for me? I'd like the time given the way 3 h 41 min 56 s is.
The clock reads 10 h 20 min 09 s
